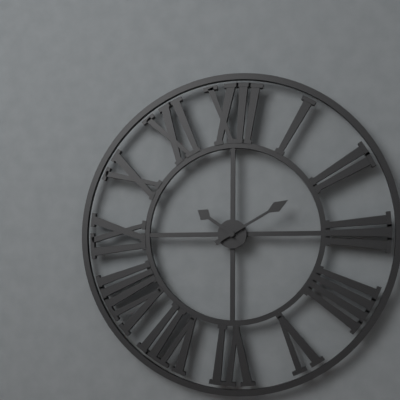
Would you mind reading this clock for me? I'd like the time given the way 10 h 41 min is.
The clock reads 10 h 10 min
